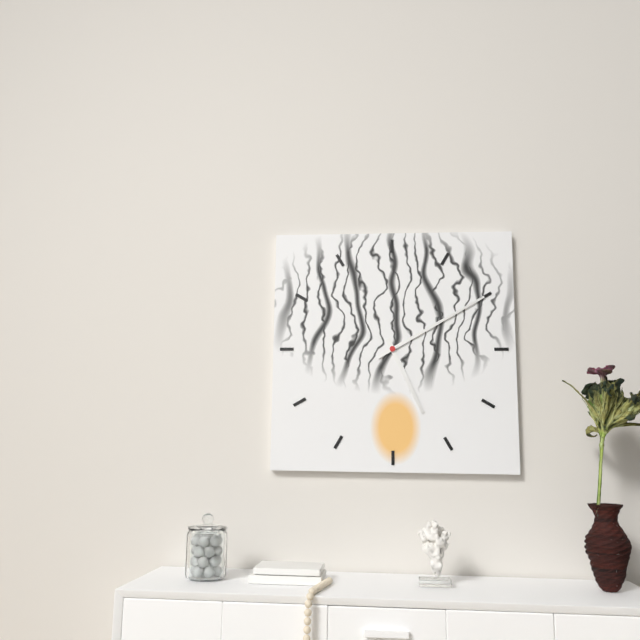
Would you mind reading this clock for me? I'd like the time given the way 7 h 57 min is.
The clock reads 5 h 10 min
